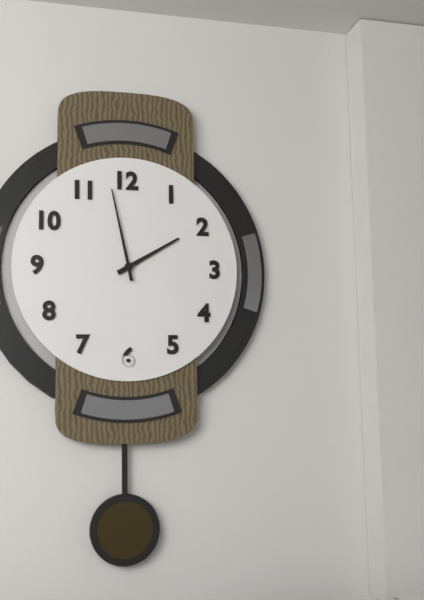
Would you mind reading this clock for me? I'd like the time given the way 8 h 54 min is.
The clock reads 1 h 58 min
